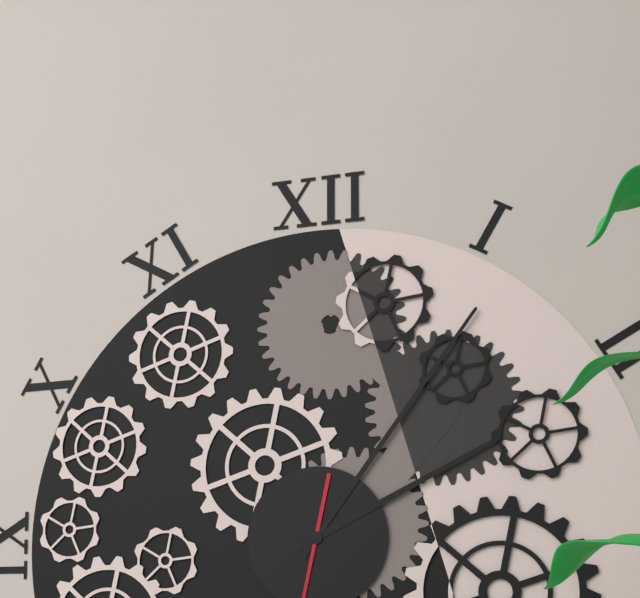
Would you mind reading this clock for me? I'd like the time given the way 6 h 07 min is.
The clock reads 2 h 06 min
